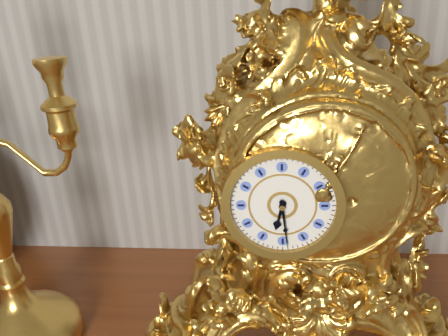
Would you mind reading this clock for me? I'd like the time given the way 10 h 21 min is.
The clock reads 6 h 29 min
